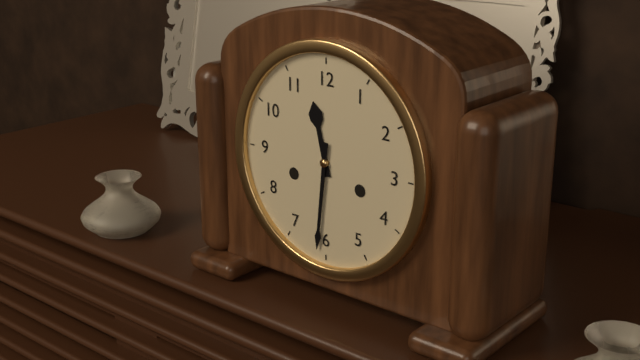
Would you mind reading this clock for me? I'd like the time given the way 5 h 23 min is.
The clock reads 11 h 31 min
